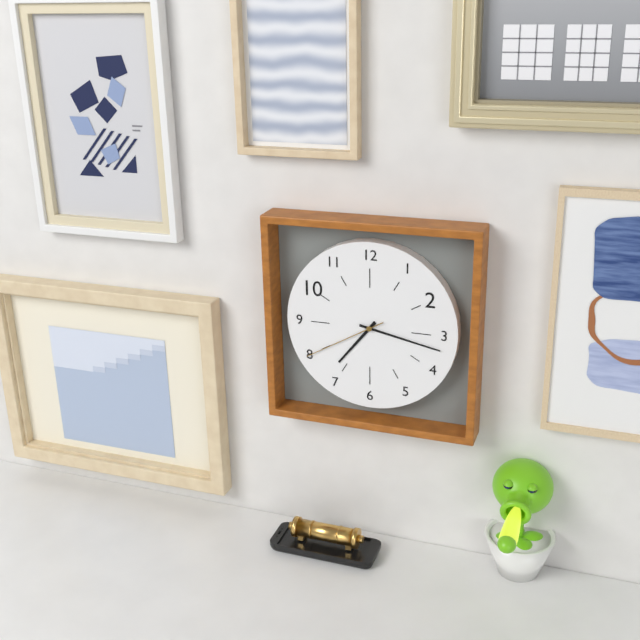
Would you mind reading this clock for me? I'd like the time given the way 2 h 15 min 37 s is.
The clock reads 7 h 17 min 40 s
